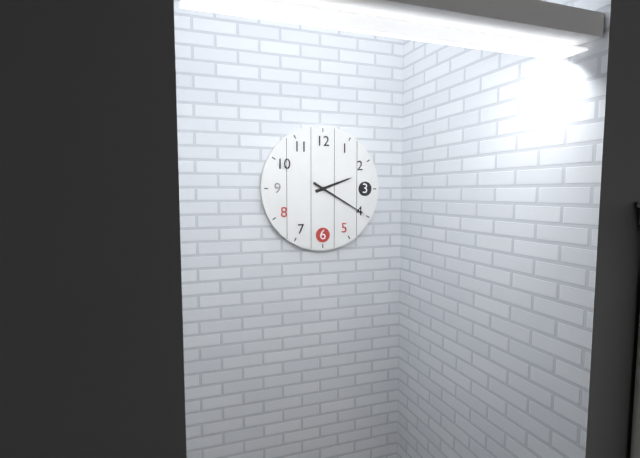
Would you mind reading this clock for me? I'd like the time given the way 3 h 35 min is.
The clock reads 2 h 20 min
